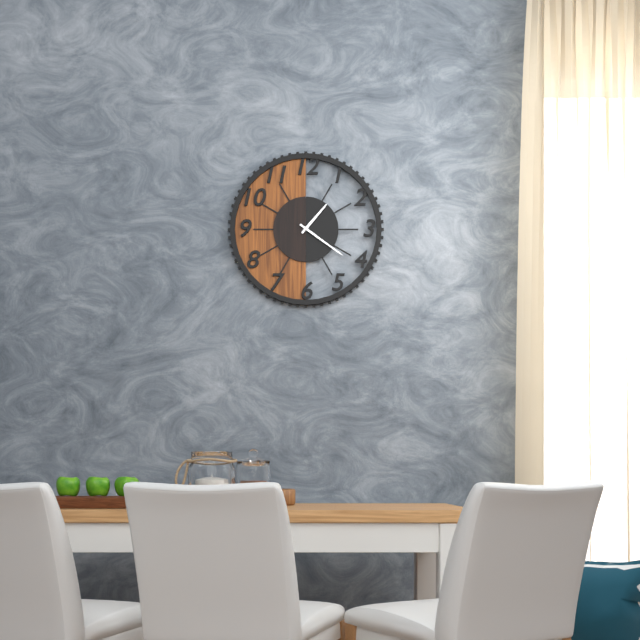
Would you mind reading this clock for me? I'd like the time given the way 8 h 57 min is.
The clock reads 1 h 21 min
